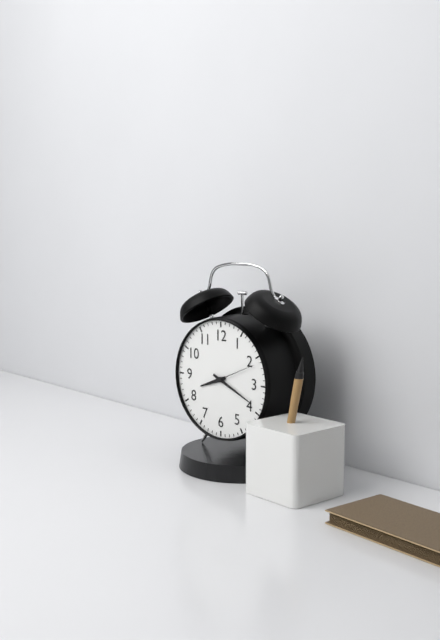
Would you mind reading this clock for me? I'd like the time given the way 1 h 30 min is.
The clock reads 8 h 19 min
